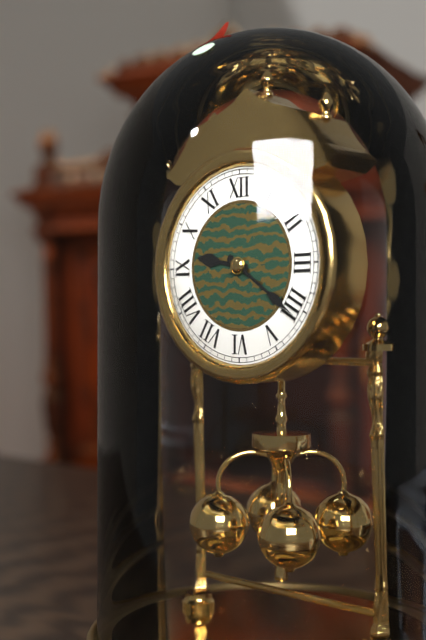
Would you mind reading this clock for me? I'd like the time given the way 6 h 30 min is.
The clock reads 9 h 21 min
